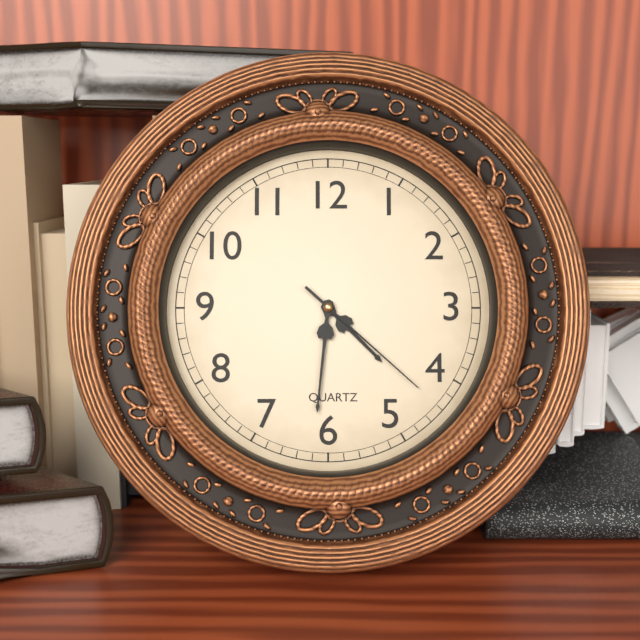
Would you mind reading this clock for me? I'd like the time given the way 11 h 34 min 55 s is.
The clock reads 4 h 31 min 22 s
